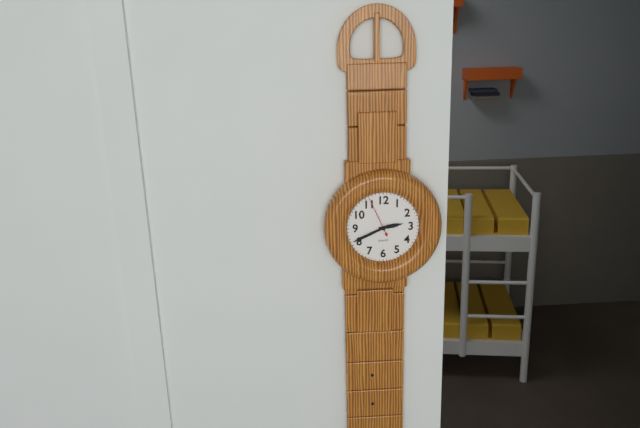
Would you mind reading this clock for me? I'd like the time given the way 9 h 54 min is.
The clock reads 2 h 41 min
